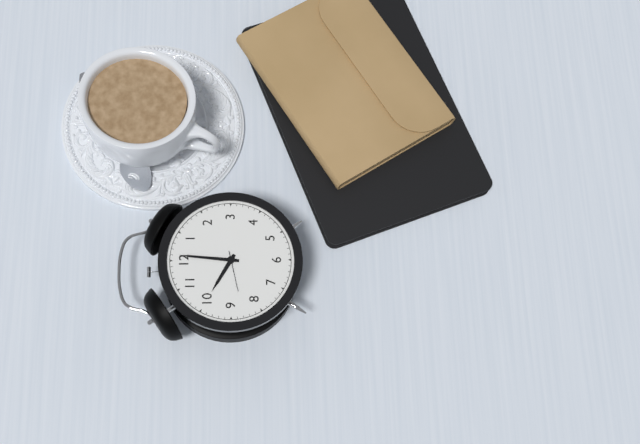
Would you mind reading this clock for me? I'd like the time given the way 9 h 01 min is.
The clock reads 10 h 01 min
